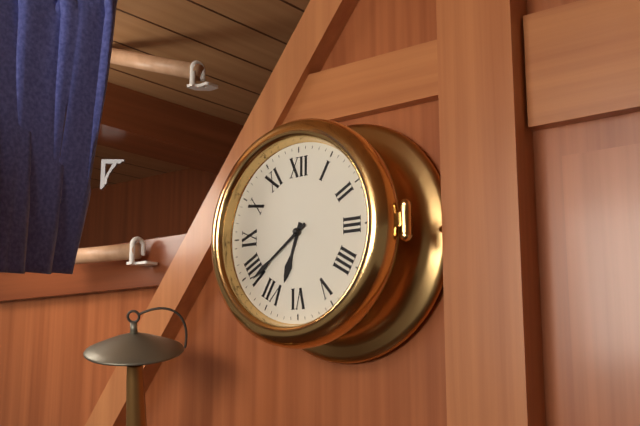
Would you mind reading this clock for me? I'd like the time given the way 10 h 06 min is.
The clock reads 6 h 39 min
